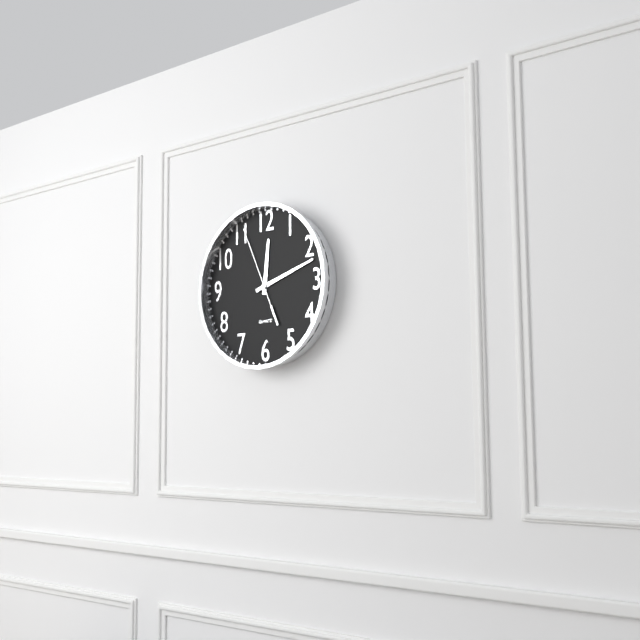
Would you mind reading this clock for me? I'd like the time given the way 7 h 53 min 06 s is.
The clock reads 12 h 12 min 56 s
